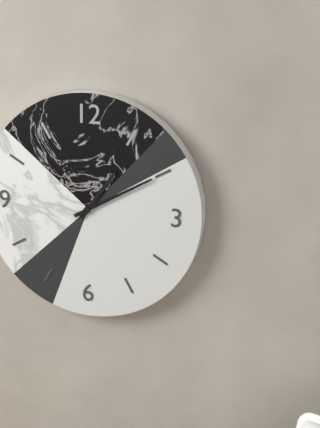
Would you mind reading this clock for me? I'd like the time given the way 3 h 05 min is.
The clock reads 1 h 10 min
